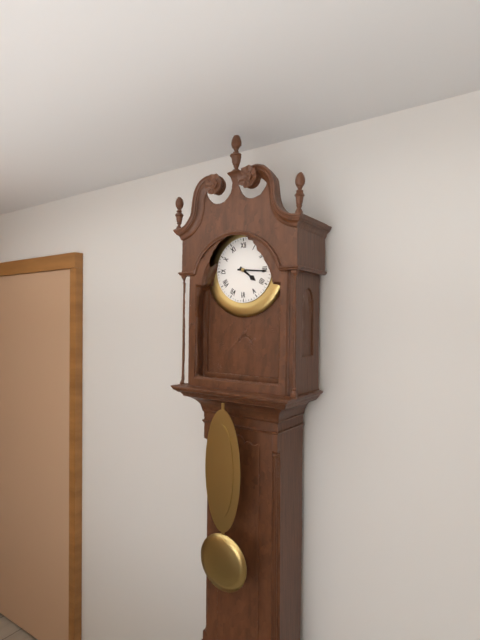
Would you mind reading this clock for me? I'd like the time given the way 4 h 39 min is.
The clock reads 4 h 16 min
